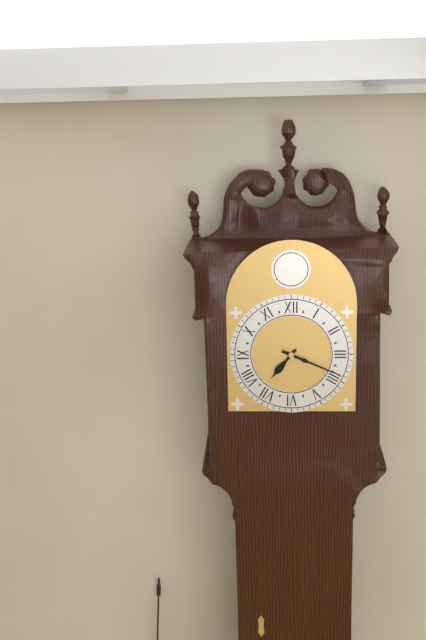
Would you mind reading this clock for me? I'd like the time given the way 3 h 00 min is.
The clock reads 7 h 19 min
